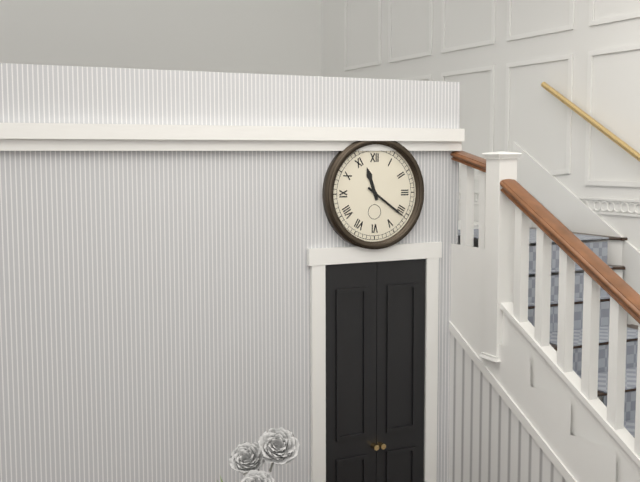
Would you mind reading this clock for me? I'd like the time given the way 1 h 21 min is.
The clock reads 11 h 21 min
